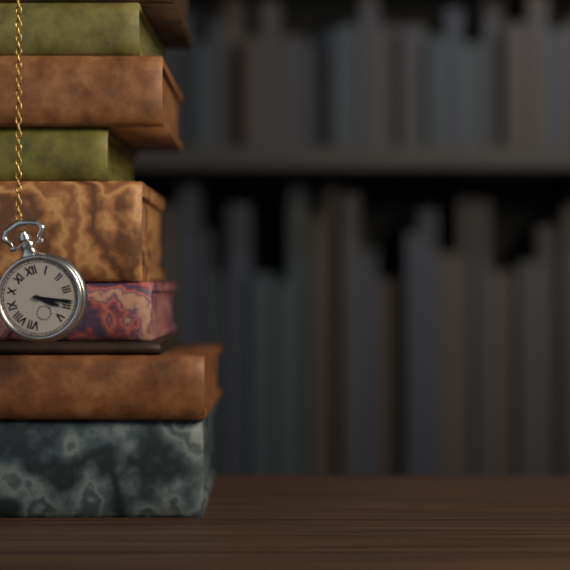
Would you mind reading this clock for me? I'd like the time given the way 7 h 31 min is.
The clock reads 4 h 19 min
